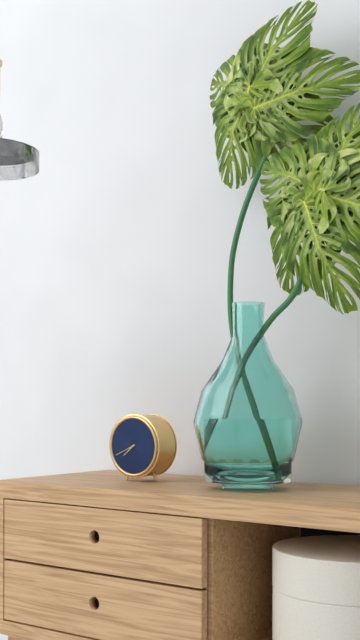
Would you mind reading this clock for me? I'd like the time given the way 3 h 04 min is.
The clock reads 7 h 41 min
